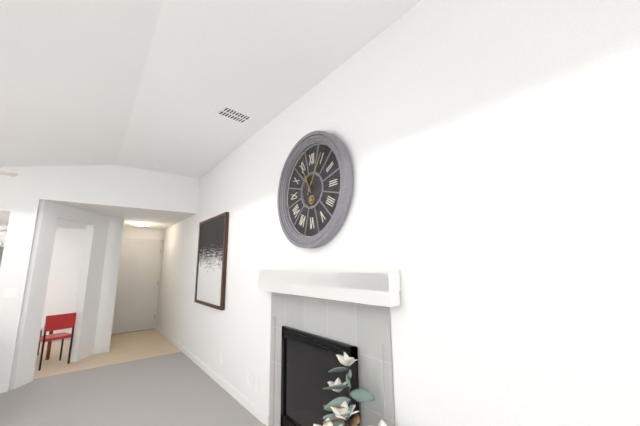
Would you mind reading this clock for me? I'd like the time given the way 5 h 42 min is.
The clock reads 11 h 05 min
